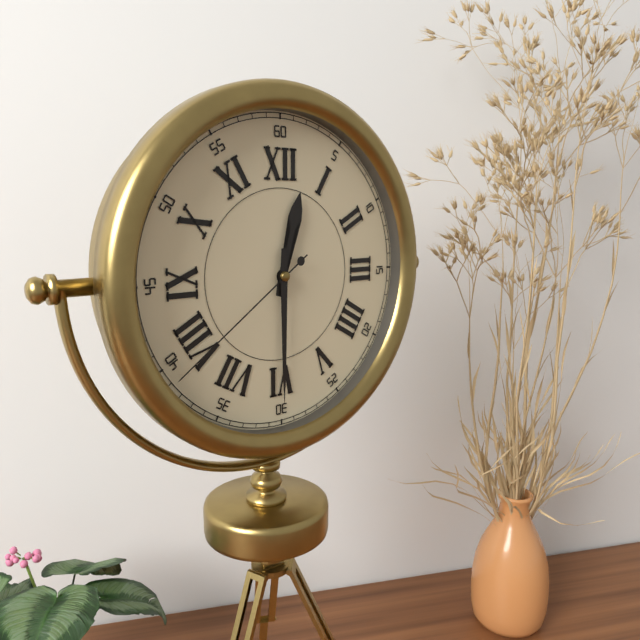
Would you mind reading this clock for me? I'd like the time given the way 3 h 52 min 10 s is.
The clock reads 12 h 30 min 39 s
